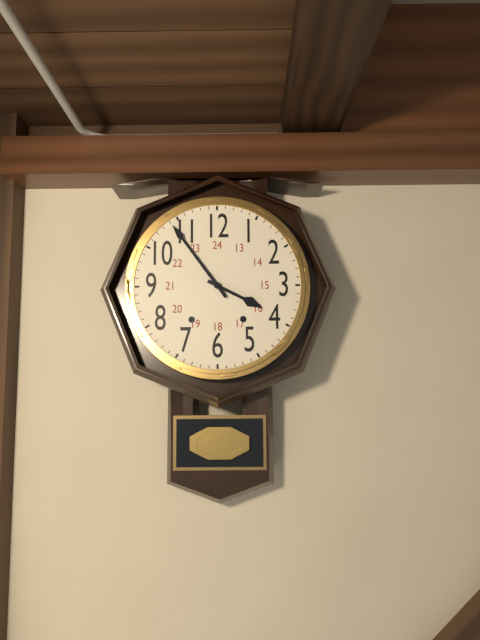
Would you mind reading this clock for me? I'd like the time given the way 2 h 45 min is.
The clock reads 3 h 54 min
